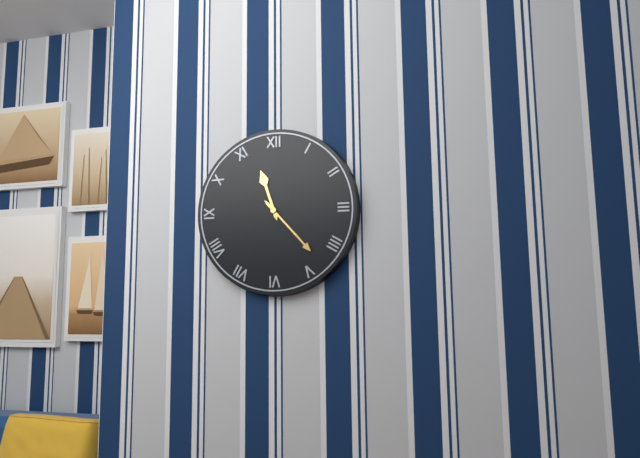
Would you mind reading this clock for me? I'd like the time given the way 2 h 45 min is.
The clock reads 11 h 23 min
